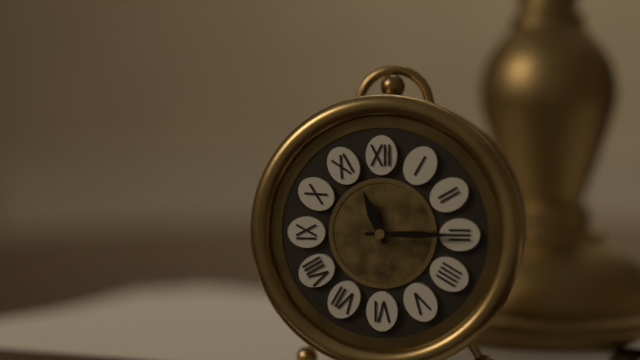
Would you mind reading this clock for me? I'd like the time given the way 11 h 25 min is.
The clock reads 11 h 15 min
